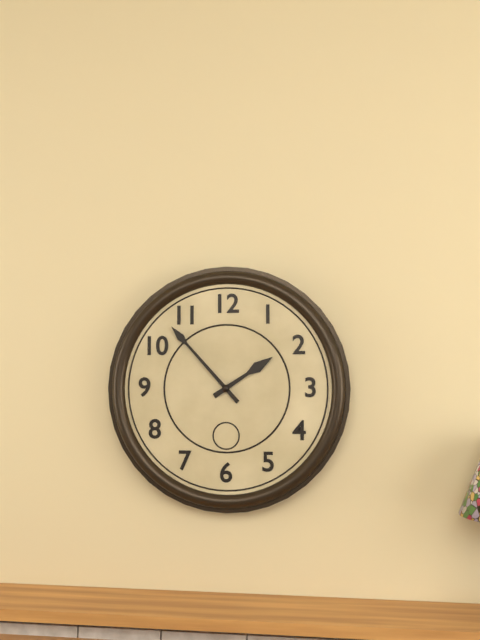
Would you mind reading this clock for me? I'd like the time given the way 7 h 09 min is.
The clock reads 1 h 53 min
